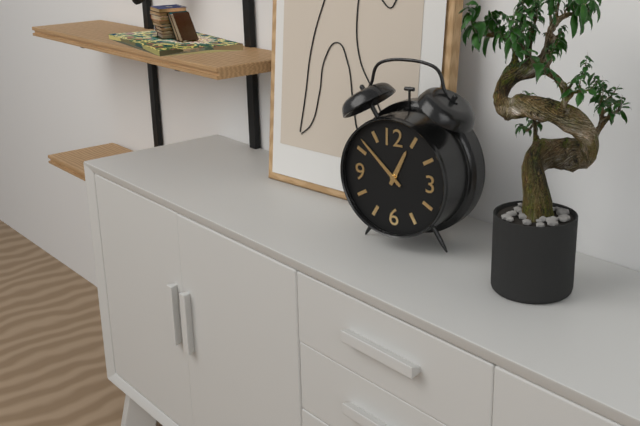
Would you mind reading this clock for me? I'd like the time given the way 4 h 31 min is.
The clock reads 12 h 52 min
